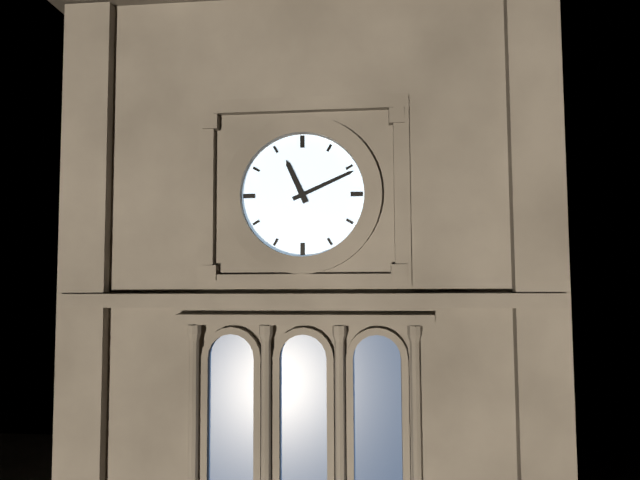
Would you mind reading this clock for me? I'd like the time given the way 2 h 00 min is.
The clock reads 11 h 11 min
